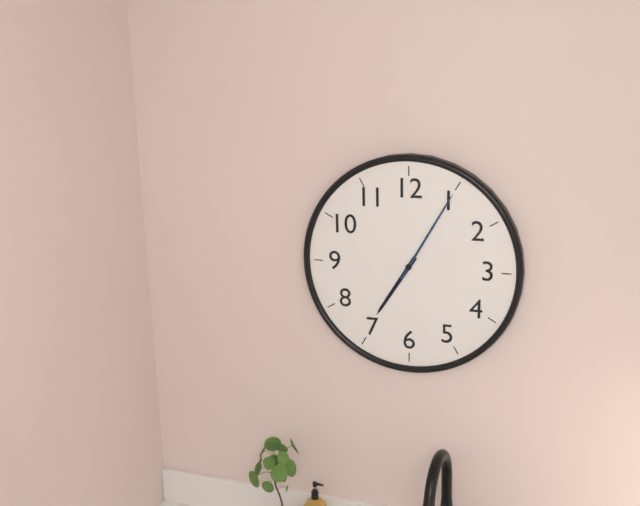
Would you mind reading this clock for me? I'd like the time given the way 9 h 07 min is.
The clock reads 7 h 05 min
